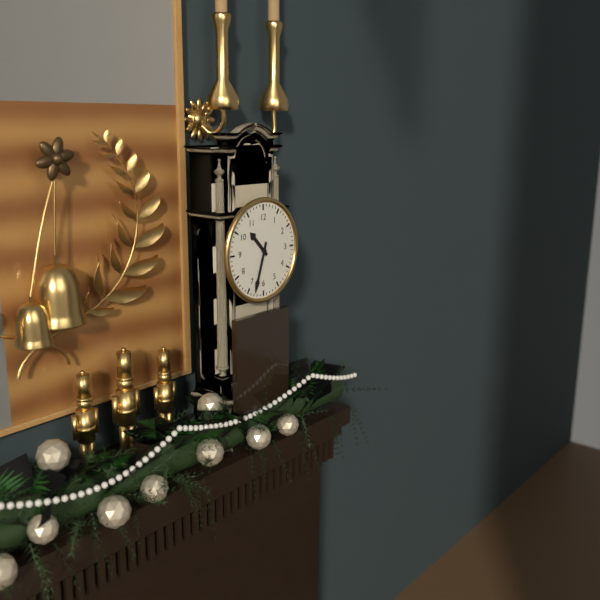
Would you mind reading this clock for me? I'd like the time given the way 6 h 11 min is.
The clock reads 10 h 33 min
